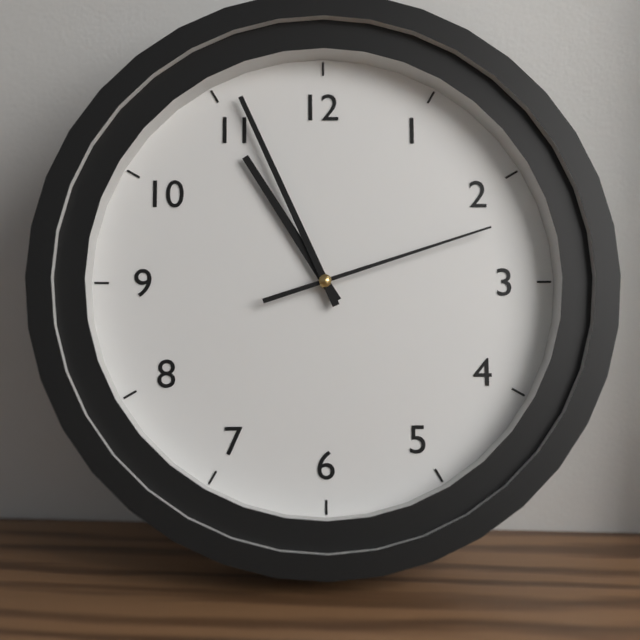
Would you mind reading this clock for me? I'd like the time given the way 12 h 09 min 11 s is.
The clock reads 10 h 56 min 12 s
